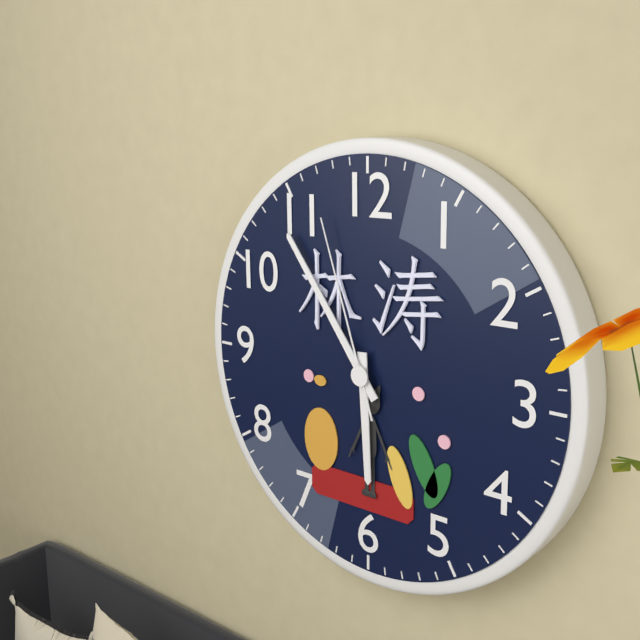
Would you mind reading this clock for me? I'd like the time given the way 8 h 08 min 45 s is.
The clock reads 5 h 54 min 57 s
